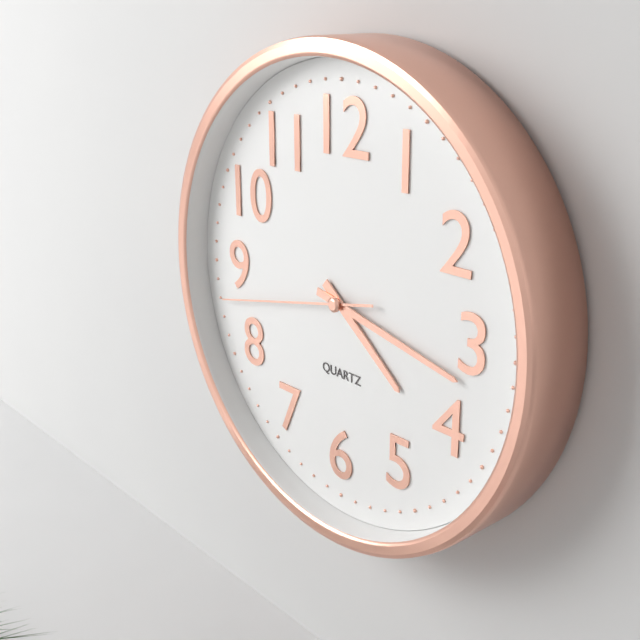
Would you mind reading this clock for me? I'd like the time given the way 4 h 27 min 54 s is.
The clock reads 4 h 17 min 43 s
